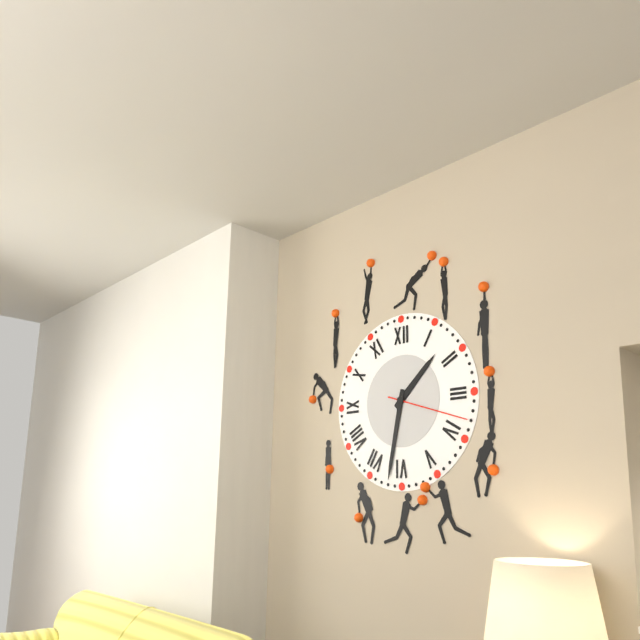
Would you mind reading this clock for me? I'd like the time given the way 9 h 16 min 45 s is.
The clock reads 1 h 32 min 18 s
